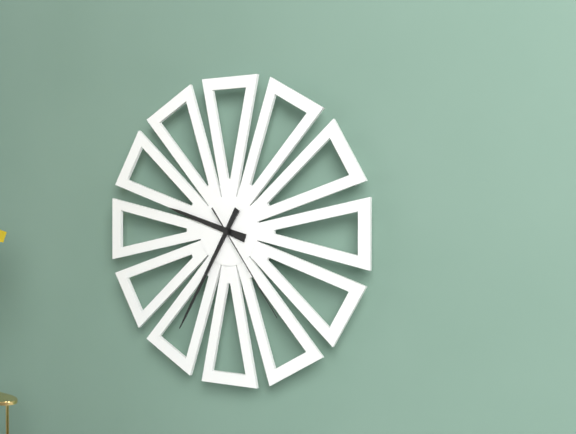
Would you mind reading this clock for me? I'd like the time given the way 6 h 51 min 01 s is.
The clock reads 9 h 35 min 24 s
